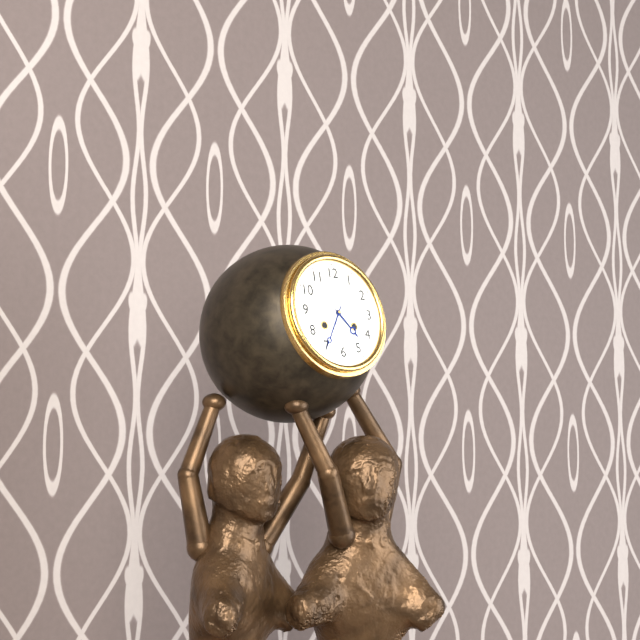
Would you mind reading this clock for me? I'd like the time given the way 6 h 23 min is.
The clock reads 4 h 35 min
